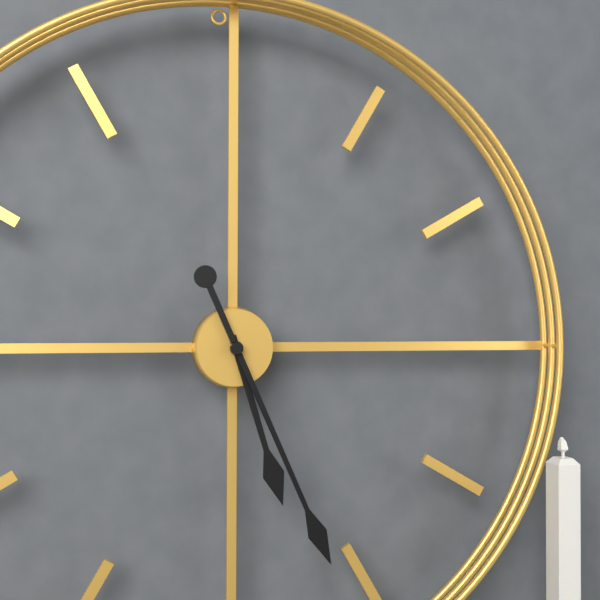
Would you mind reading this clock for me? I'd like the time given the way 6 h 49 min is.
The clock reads 5 h 26 min
